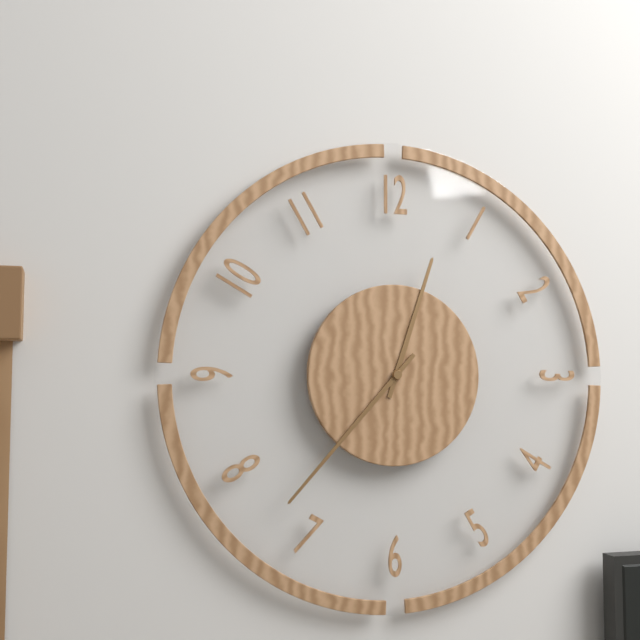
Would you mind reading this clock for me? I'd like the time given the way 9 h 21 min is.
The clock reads 12 h 37 min
